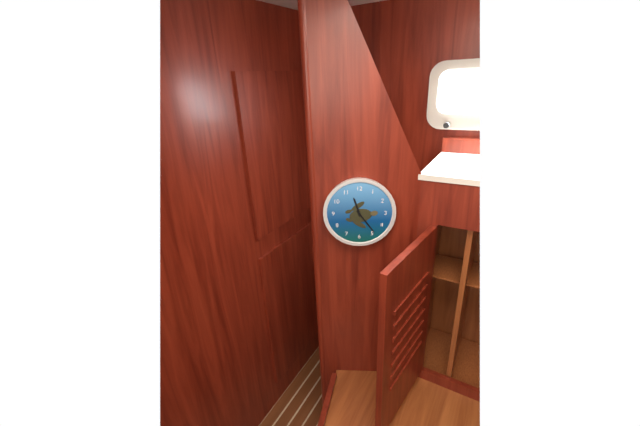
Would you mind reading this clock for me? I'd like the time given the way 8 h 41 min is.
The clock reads 11 h 24 min
